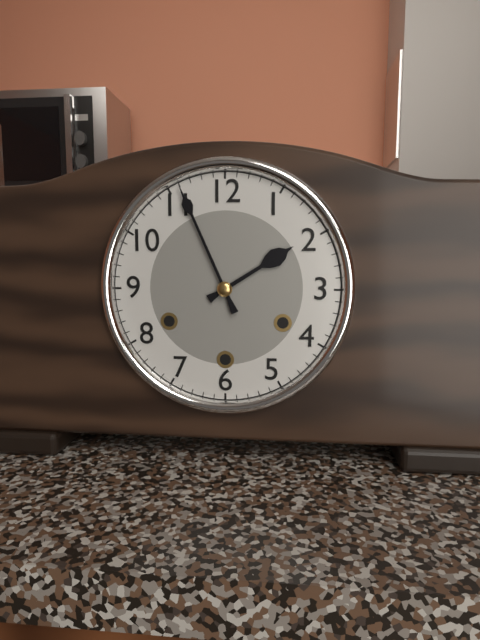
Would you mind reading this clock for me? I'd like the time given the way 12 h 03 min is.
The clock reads 1 h 56 min
